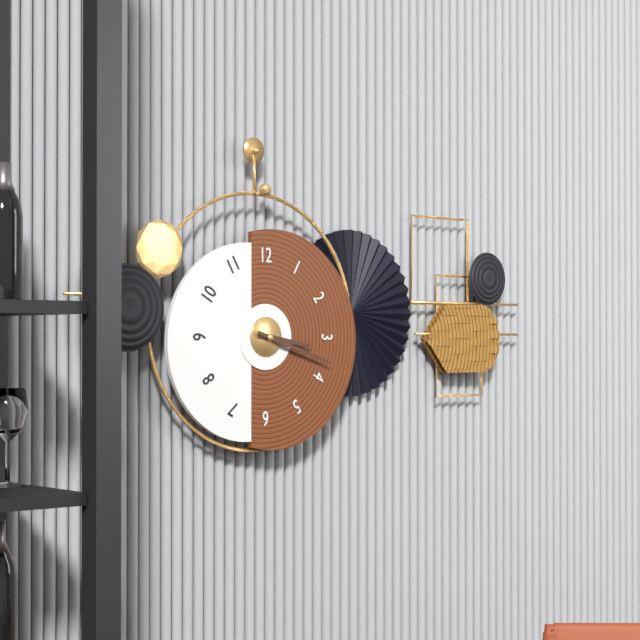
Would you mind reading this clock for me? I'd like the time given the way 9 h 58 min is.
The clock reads 3 h 18 min
